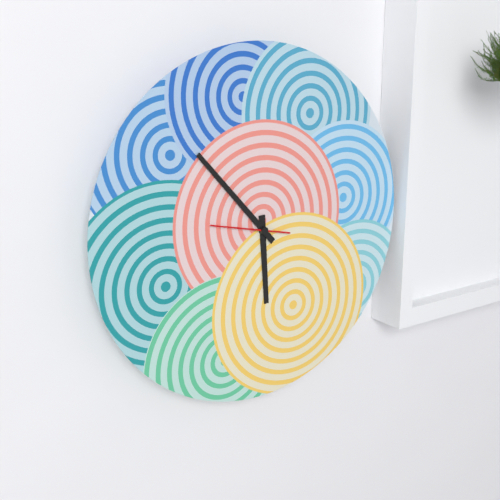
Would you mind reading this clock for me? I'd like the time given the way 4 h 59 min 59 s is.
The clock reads 5 h 53 min 47 s
